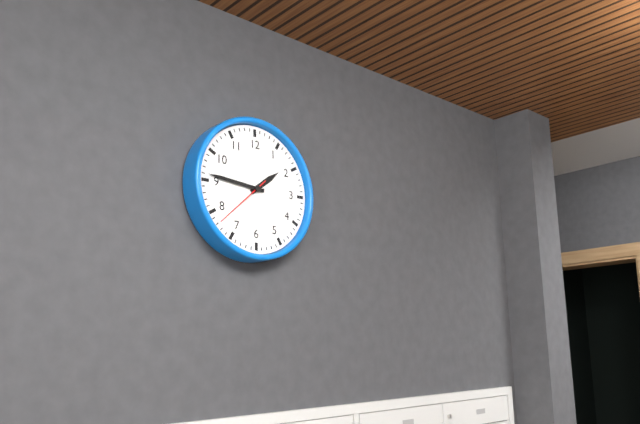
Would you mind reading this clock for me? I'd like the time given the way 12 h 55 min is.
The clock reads 1 h 46 min
